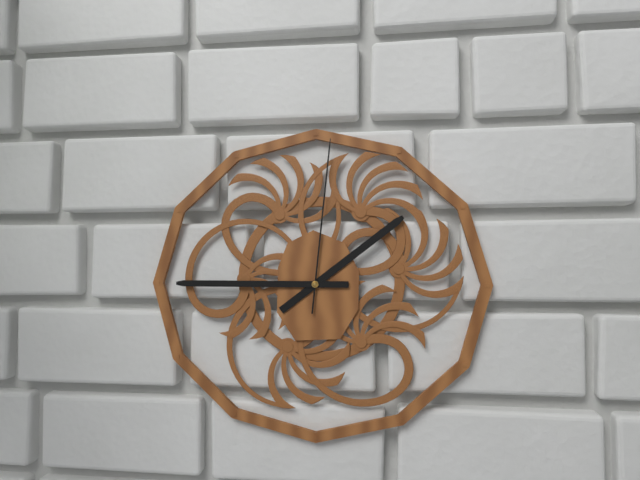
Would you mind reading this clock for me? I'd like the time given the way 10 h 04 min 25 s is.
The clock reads 1 h 45 min 01 s
